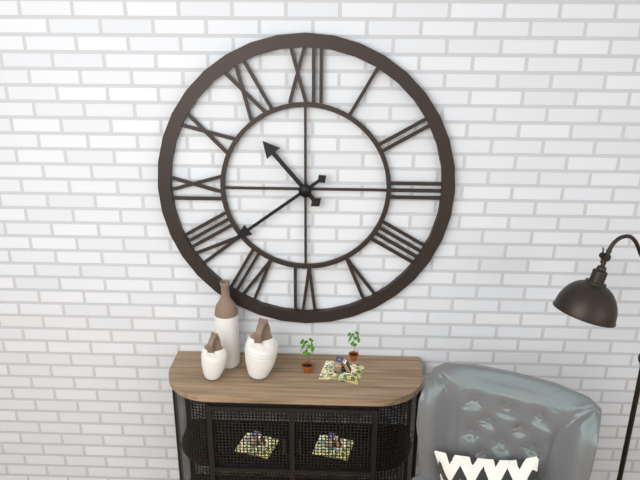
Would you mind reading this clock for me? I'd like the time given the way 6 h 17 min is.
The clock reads 10 h 39 min
